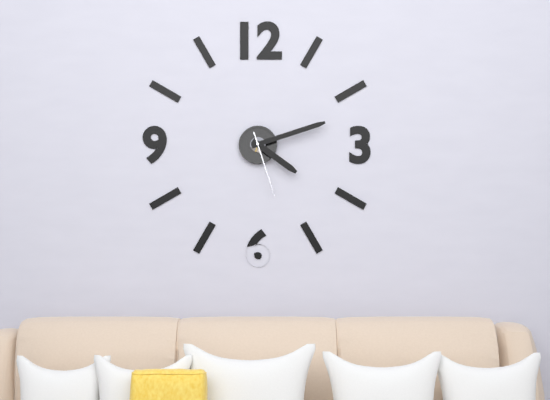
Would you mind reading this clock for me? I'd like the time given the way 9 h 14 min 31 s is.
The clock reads 4 h 12 min 27 s
